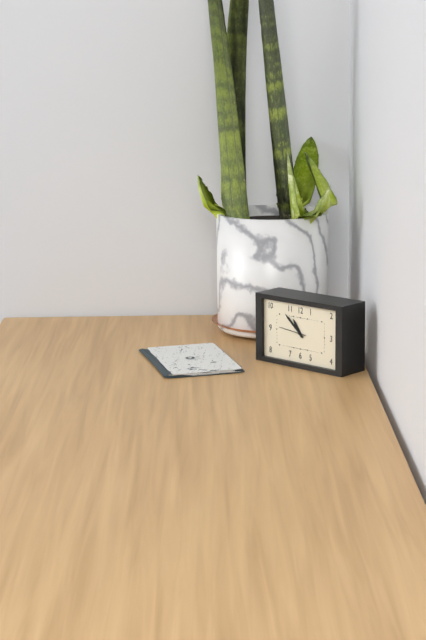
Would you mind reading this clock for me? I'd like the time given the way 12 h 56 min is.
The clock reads 10 h 52 min
